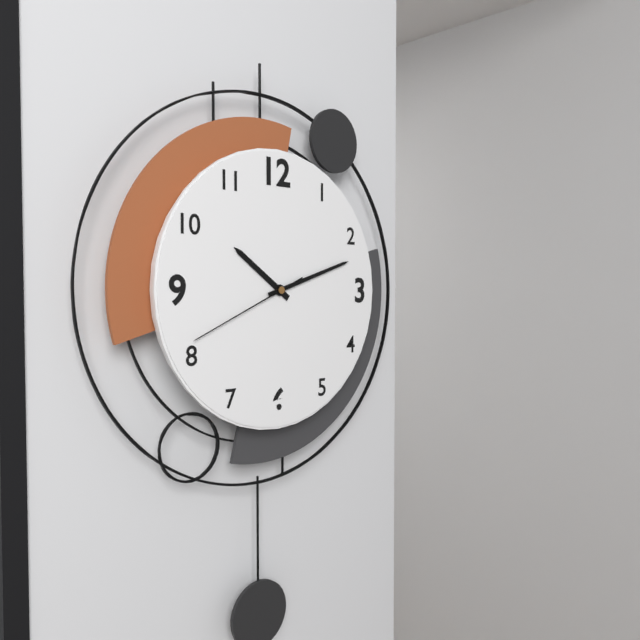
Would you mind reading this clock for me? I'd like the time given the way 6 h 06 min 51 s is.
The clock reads 10 h 12 min 41 s
